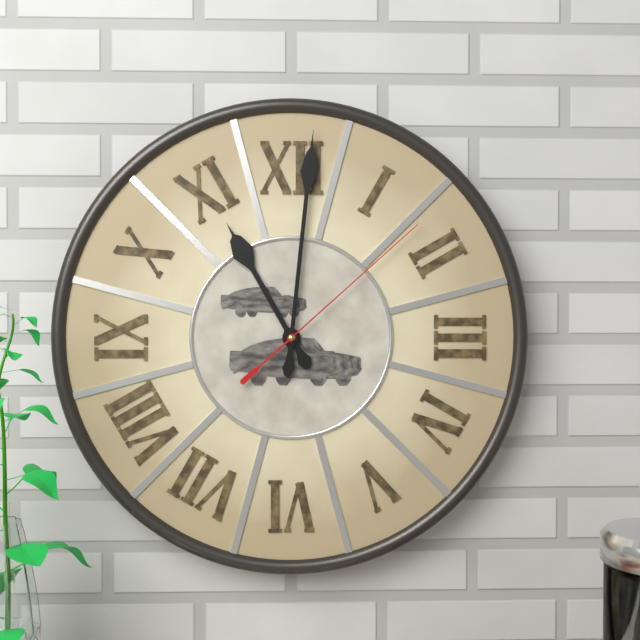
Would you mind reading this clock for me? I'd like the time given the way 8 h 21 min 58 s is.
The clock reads 11 h 01 min 08 s
